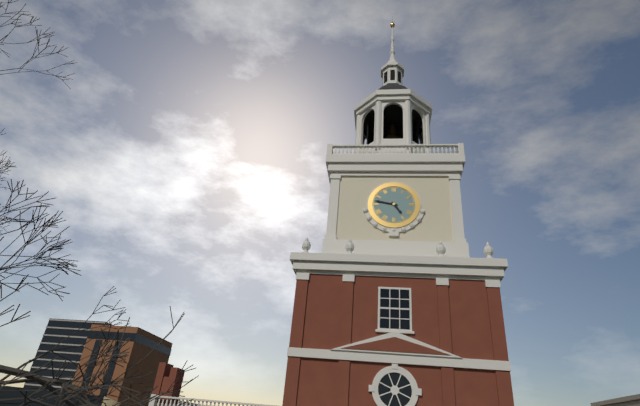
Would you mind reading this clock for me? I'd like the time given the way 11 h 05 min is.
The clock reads 4 h 47 min
